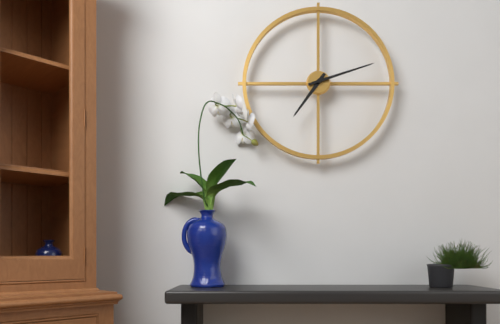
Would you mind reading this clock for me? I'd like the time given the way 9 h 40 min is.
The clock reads 7 h 12 min
